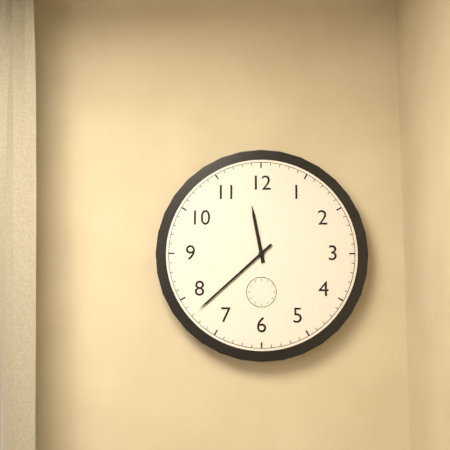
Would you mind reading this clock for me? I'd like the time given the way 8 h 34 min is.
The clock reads 11 h 38 min
